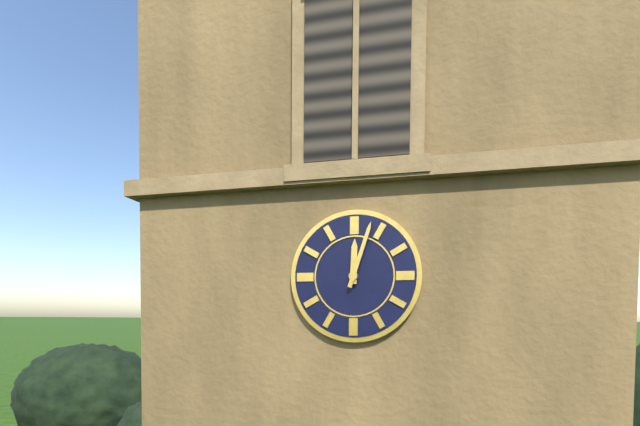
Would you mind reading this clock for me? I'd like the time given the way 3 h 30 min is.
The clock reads 12 h 03 min
